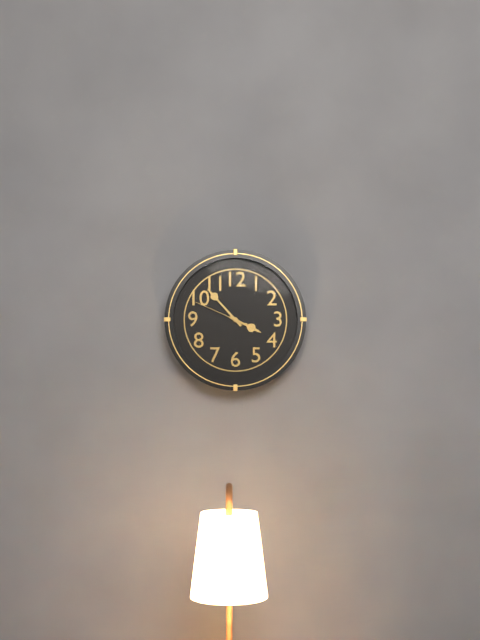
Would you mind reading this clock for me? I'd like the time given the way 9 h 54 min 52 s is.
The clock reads 3 h 53 min 49 s
